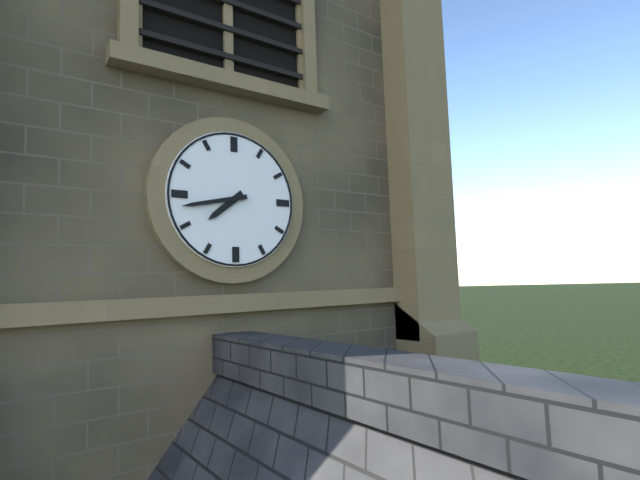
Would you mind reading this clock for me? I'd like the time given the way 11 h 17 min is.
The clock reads 7 h 43 min
